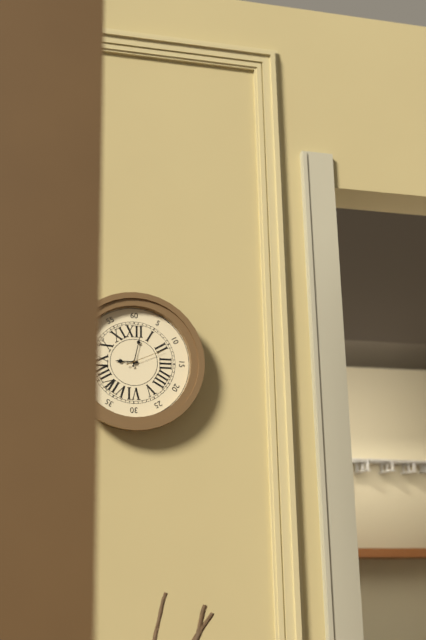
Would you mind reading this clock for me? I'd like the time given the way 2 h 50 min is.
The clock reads 9 h 02 min
